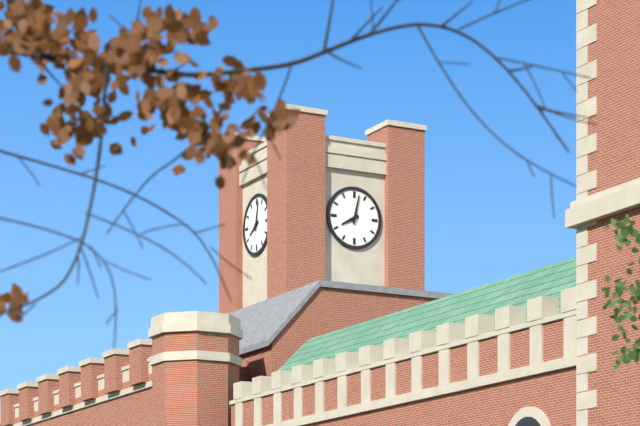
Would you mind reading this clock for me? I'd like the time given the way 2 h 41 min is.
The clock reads 8 h 02 min
